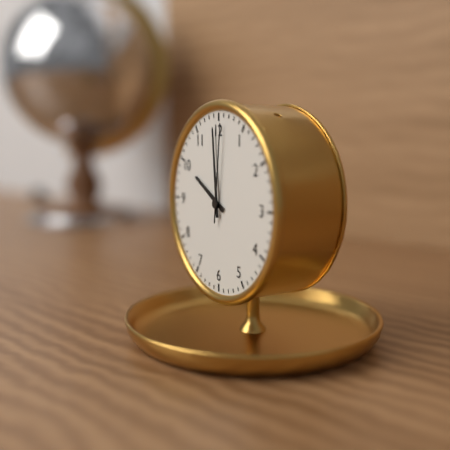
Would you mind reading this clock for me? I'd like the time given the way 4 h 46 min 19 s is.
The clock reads 9 h 59 min 01 s
